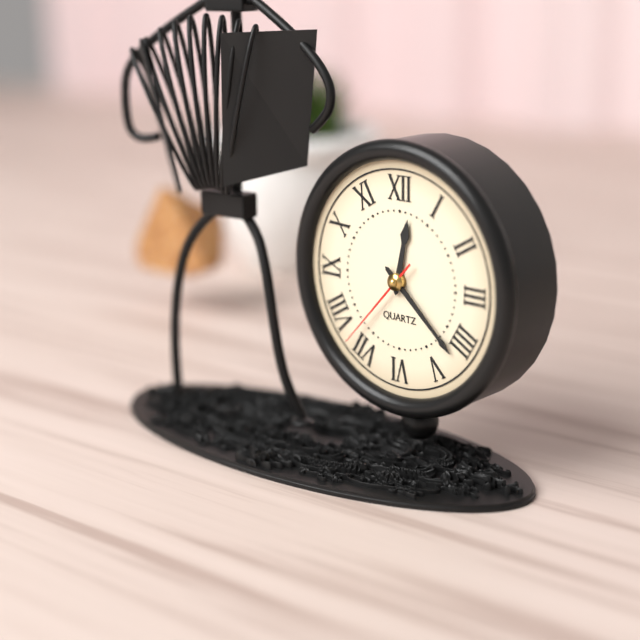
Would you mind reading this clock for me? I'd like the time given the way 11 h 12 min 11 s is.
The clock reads 12 h 22 min 37 s
